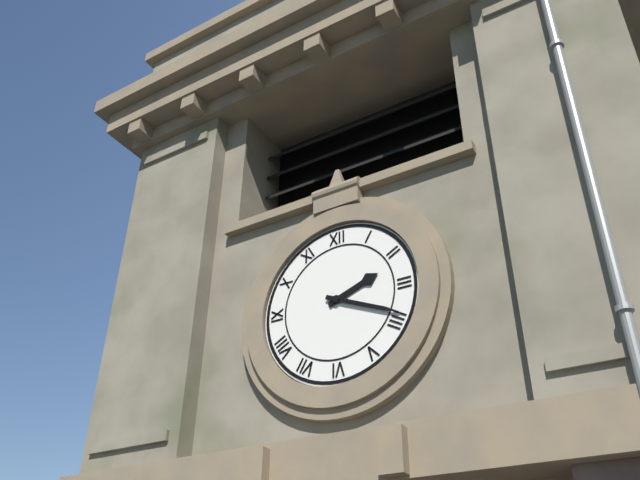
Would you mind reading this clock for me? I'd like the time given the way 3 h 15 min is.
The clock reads 2 h 19 min
